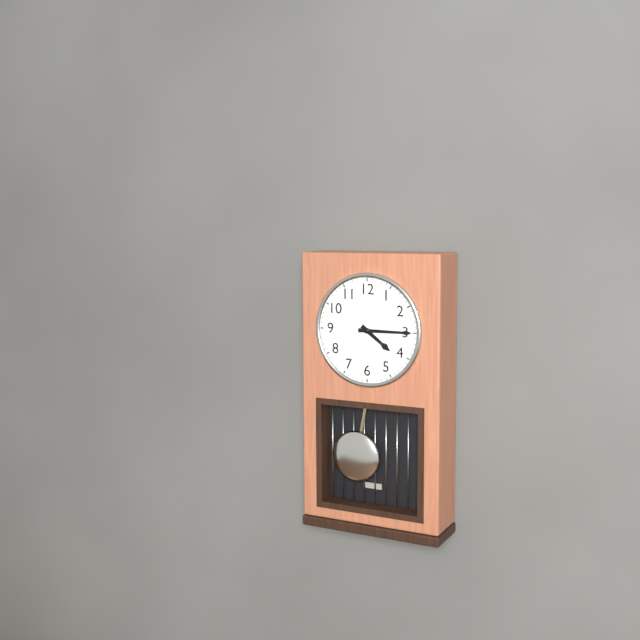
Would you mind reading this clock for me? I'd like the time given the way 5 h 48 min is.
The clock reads 4 h 15 min
